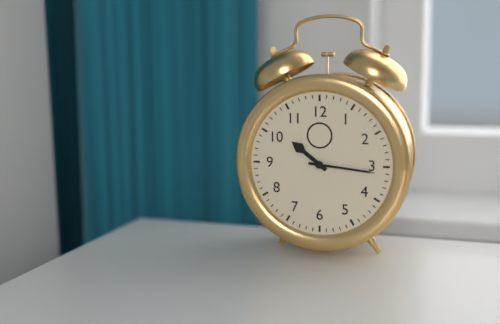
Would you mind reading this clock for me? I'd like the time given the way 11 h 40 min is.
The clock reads 10 h 16 min
